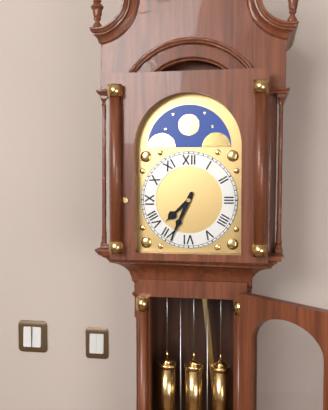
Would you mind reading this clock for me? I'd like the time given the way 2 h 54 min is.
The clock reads 7 h 34 min
